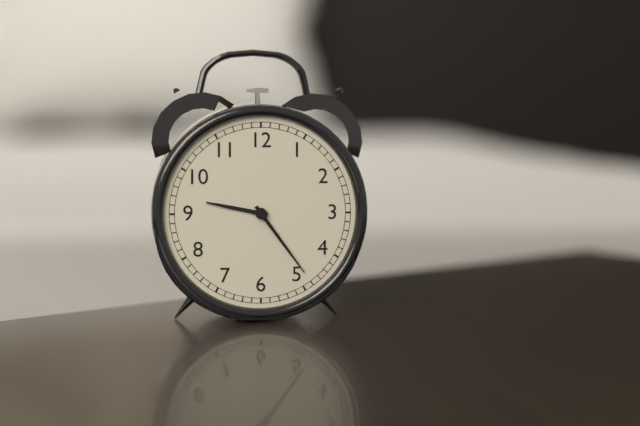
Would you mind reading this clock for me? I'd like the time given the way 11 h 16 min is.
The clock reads 9 h 24 min
